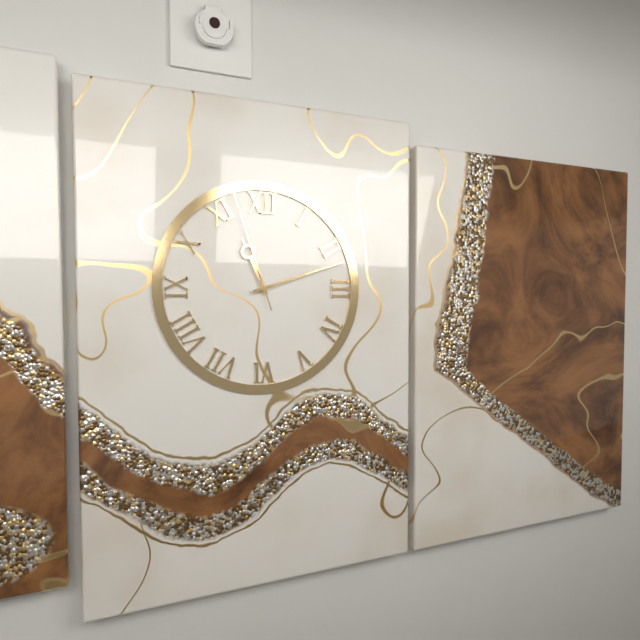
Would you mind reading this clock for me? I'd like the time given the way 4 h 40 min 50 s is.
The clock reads 11 h 12 min 57 s
